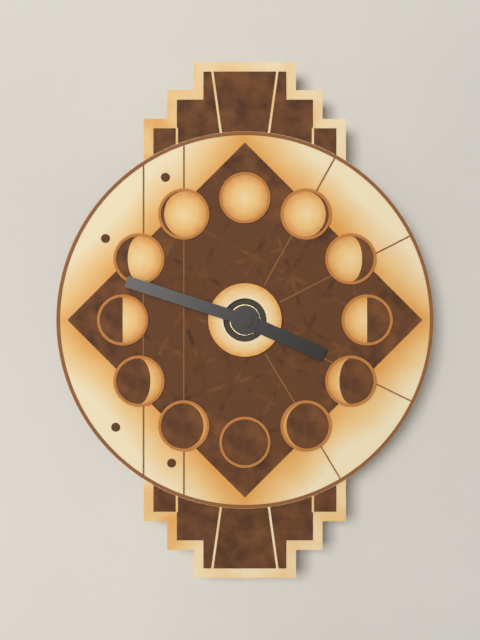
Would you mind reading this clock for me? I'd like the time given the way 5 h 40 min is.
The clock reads 3 h 48 min
